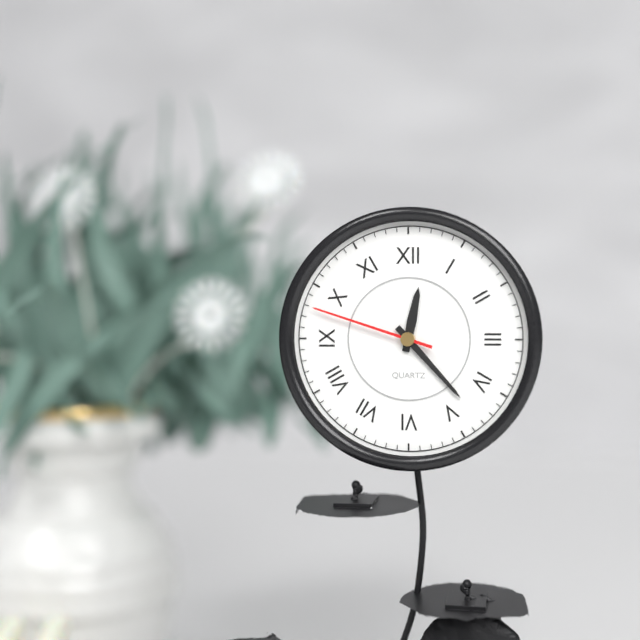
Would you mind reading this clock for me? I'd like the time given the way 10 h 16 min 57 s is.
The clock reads 12 h 23 min 48 s
